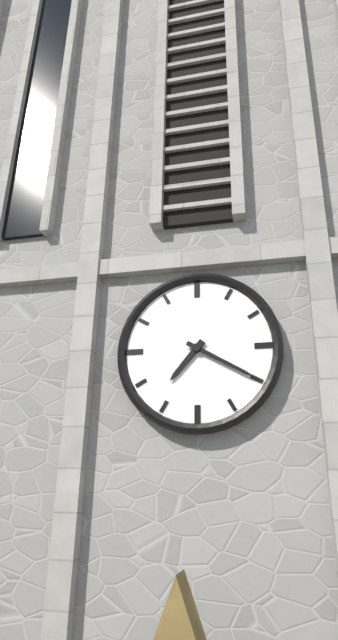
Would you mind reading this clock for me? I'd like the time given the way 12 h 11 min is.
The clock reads 7 h 20 min
